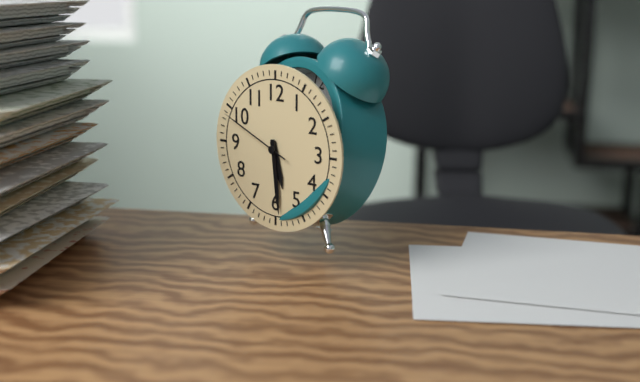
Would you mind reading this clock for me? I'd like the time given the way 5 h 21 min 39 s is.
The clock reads 5 h 29 min 49 s
